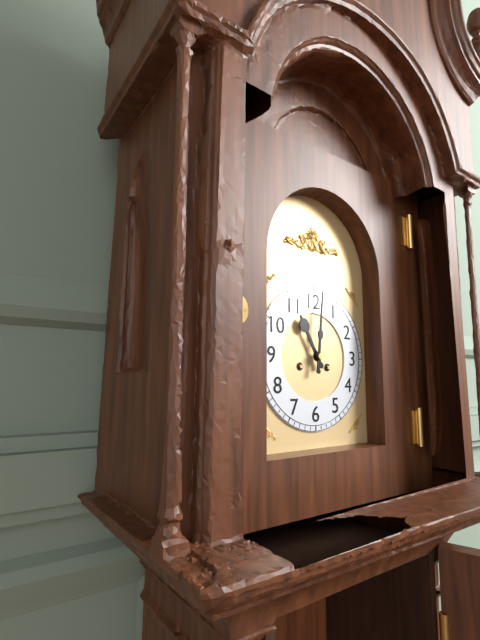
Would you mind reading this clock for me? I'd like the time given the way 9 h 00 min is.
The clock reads 11 h 01 min
